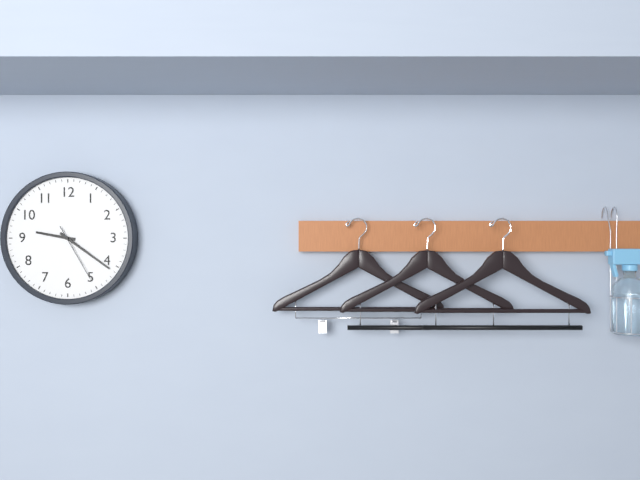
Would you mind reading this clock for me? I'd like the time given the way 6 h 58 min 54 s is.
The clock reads 9 h 21 min 25 s
